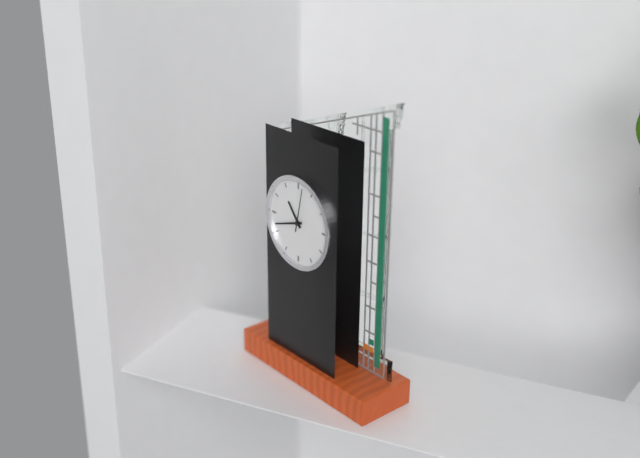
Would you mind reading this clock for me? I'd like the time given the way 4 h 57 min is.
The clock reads 10 h 42 min
